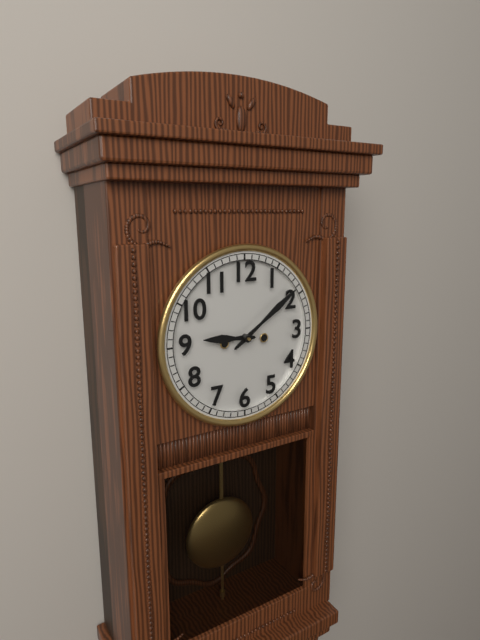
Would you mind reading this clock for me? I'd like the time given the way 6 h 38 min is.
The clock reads 9 h 09 min
